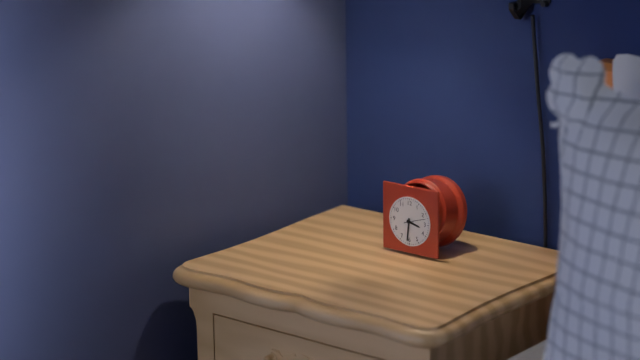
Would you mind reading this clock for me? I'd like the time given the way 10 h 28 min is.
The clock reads 3 h 31 min
